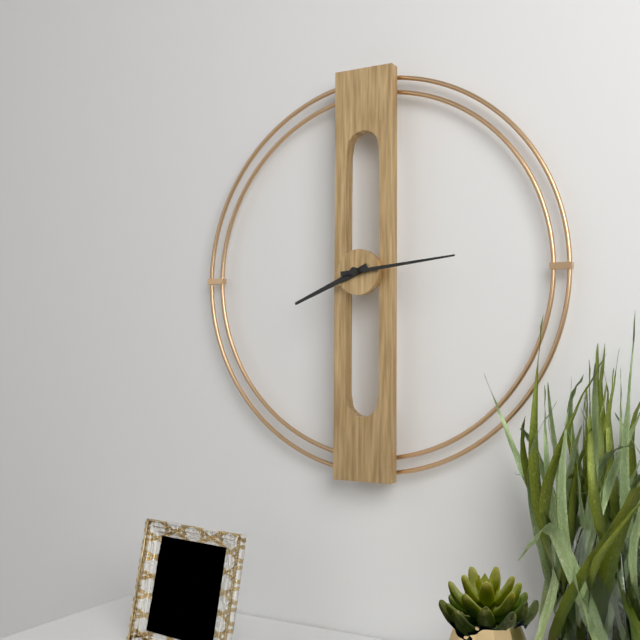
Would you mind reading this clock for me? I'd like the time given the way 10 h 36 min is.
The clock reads 8 h 14 min
